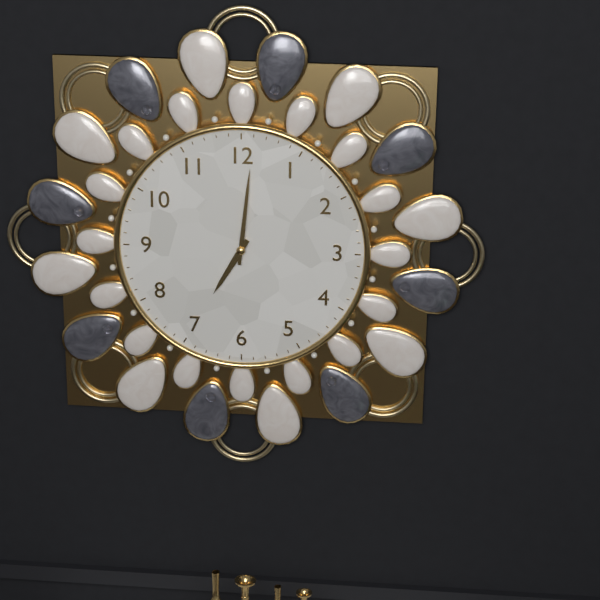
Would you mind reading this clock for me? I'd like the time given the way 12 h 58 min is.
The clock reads 7 h 01 min
